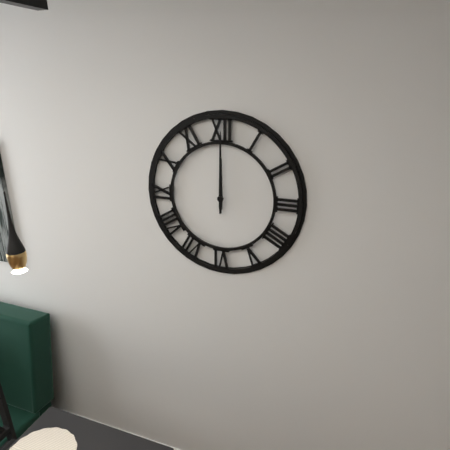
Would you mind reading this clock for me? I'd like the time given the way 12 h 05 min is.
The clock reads 12 h 00 min
